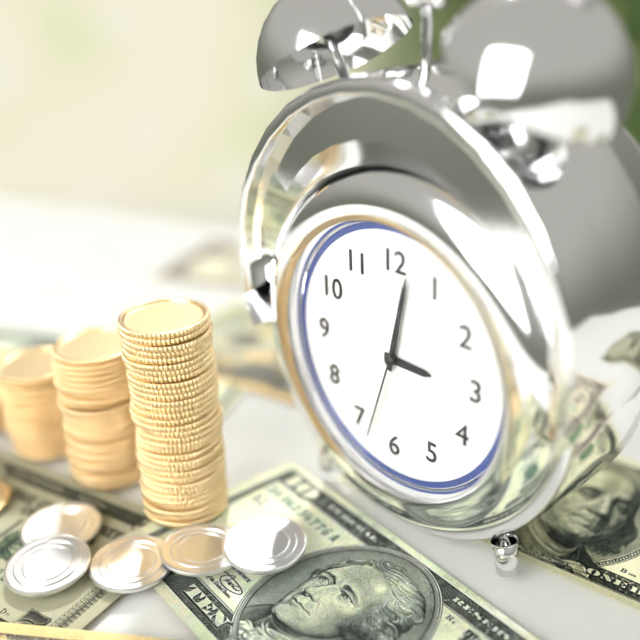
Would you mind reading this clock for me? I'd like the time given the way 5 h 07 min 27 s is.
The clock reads 3 h 02 min 33 s
